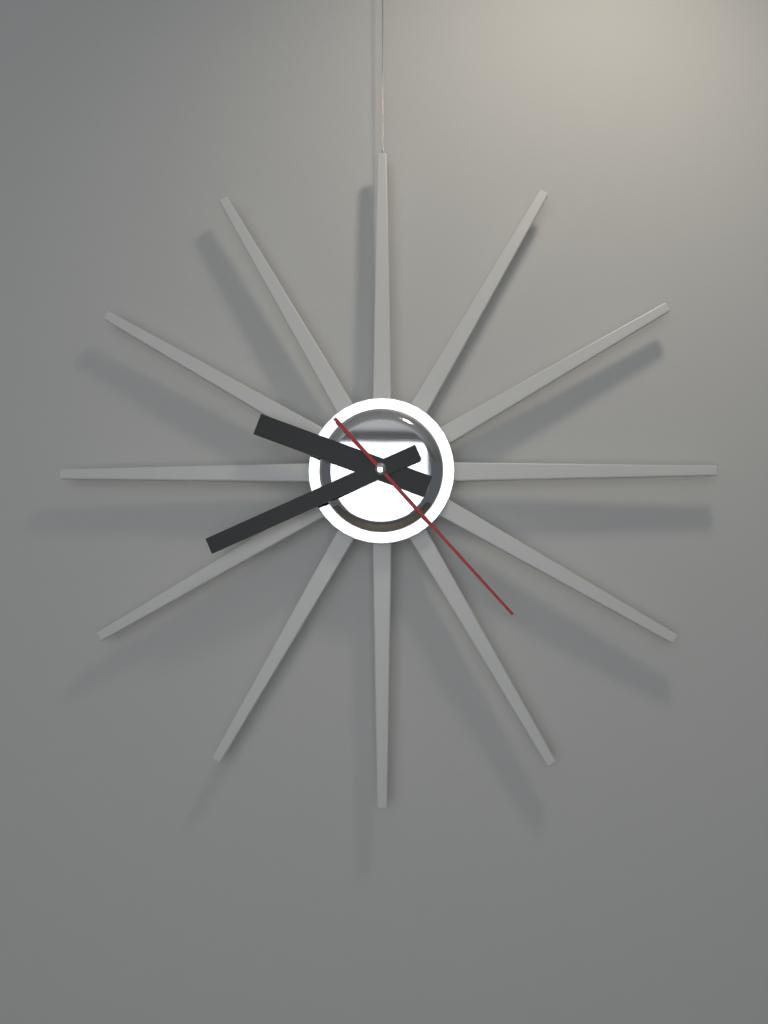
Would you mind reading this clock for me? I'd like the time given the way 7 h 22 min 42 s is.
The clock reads 9 h 41 min 23 s
